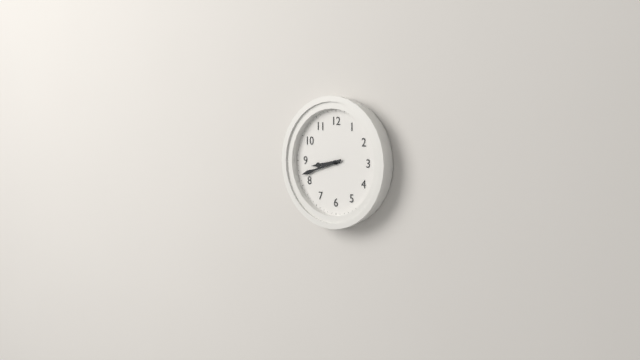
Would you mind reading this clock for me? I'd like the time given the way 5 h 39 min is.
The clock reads 8 h 42 min
